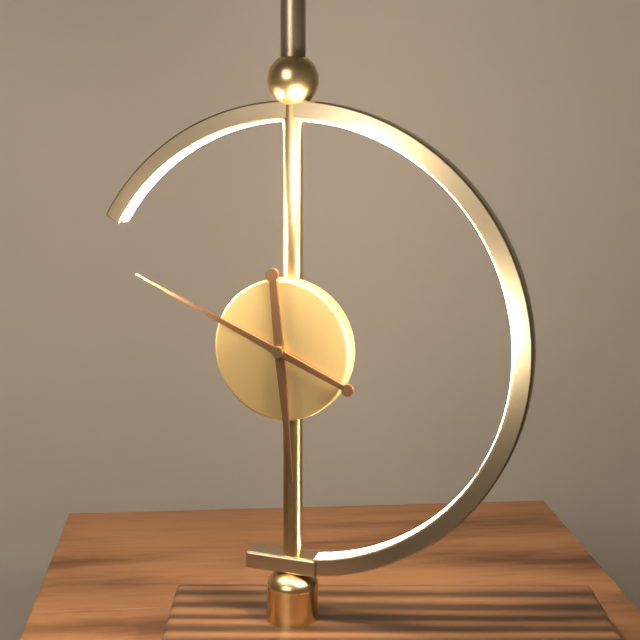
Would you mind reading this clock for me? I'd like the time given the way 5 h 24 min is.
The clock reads 5 h 49 min
